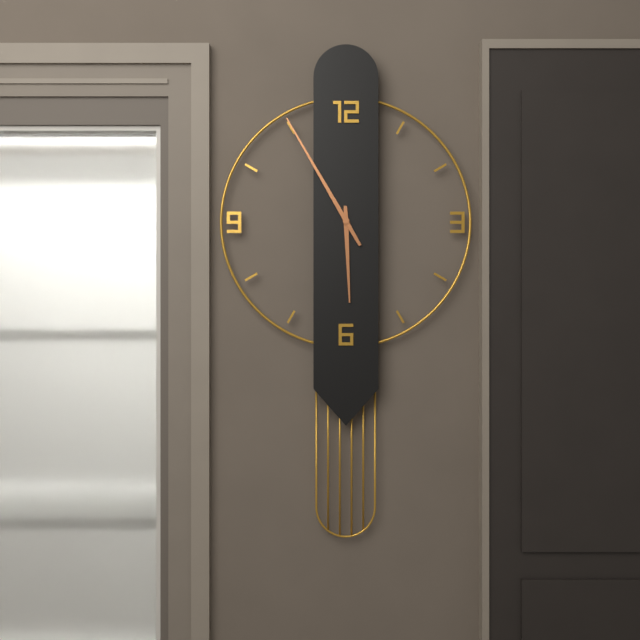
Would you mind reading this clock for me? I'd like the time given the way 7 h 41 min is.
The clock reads 5 h 55 min
